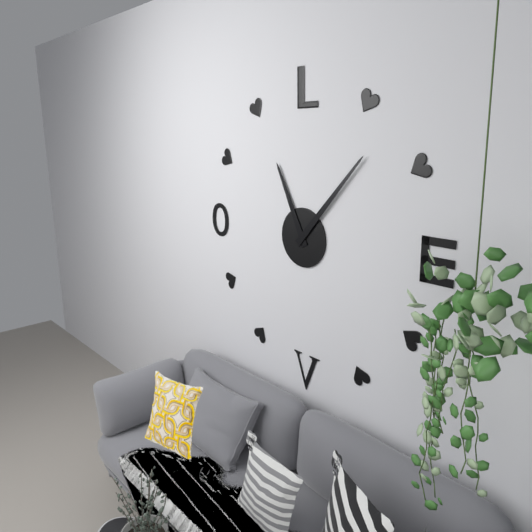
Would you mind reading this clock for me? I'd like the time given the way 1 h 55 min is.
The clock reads 11 h 07 min
